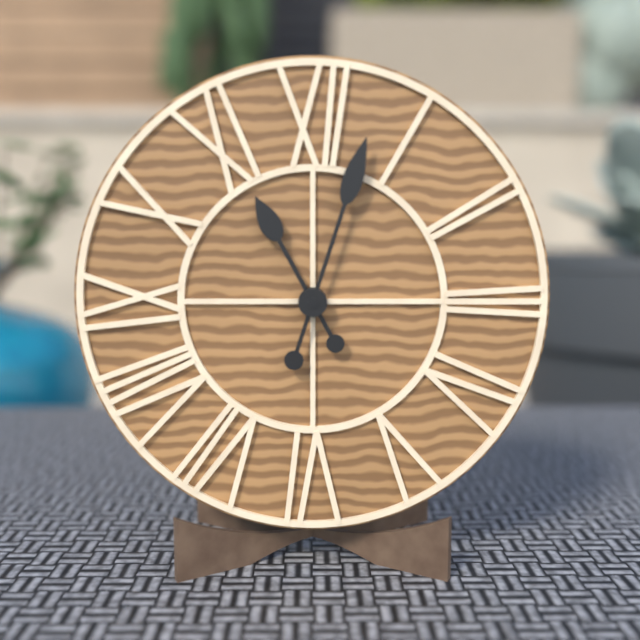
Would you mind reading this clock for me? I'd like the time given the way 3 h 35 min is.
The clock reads 11 h 03 min
